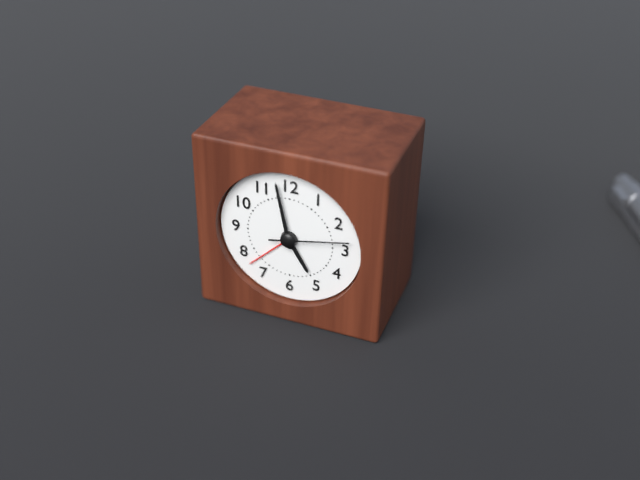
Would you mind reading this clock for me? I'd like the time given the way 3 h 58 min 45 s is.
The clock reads 4 h 58 min 13 s
